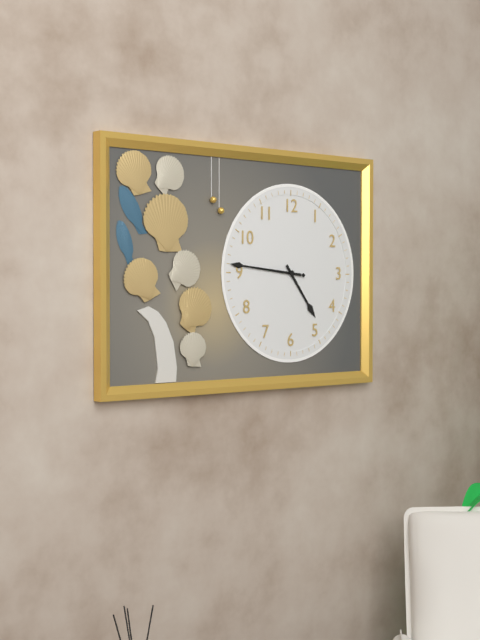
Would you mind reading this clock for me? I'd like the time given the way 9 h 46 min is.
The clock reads 4 h 46 min
